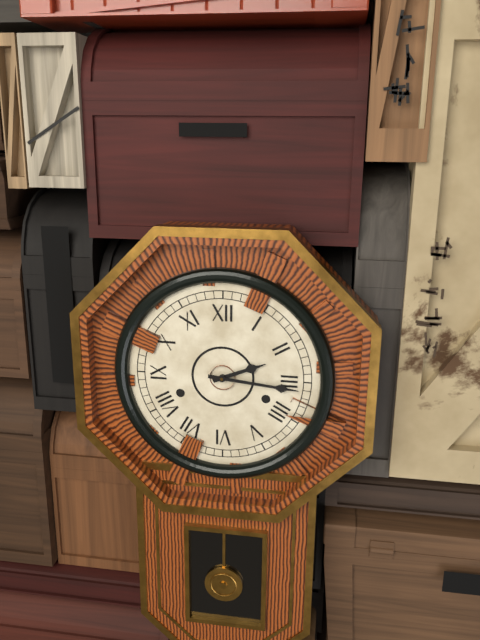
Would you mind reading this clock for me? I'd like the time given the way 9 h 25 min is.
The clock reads 2 h 16 min
